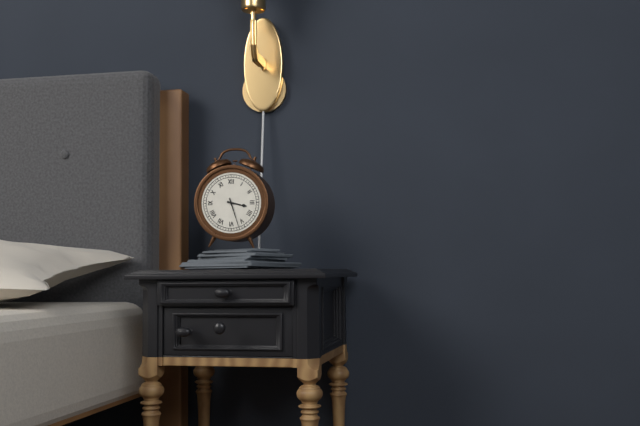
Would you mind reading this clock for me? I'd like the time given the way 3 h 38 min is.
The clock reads 3 h 27 min
